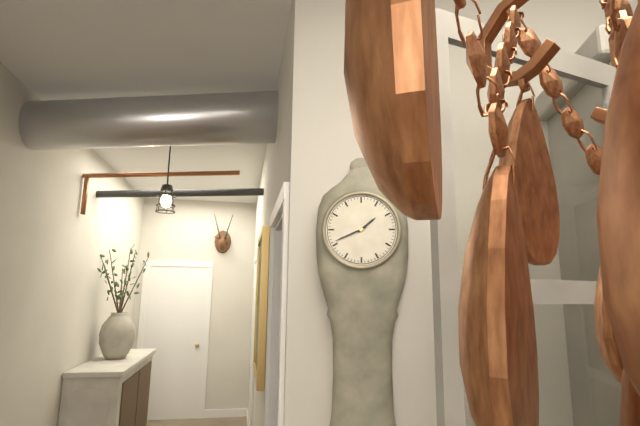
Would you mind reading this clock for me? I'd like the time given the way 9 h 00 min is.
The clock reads 1 h 41 min
